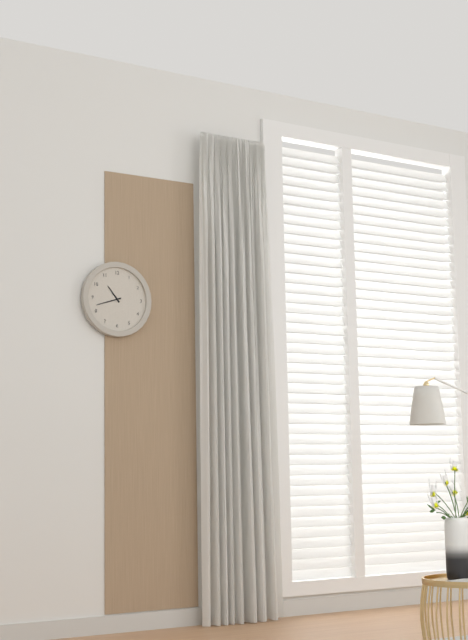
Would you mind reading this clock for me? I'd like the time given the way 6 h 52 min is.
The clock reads 10 h 42 min
